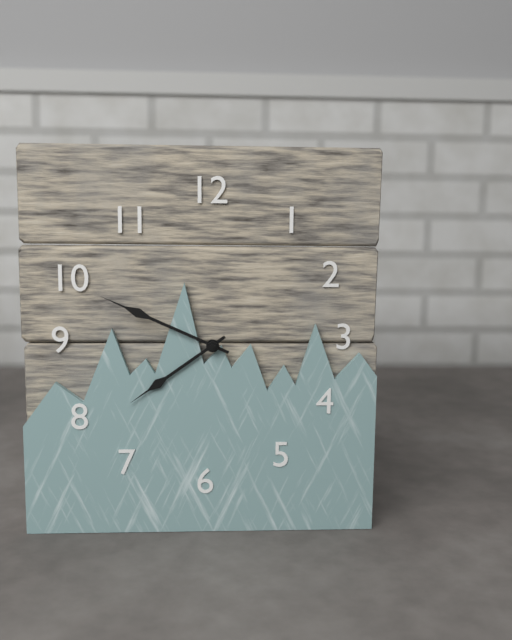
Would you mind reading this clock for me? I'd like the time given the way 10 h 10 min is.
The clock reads 7 h 49 min
